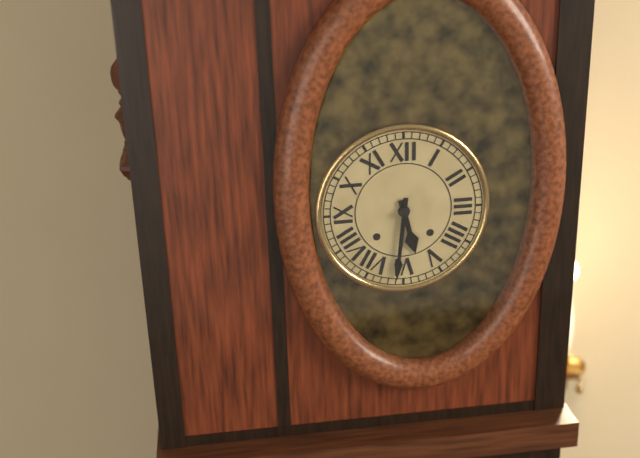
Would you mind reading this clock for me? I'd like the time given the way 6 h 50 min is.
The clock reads 5 h 31 min
